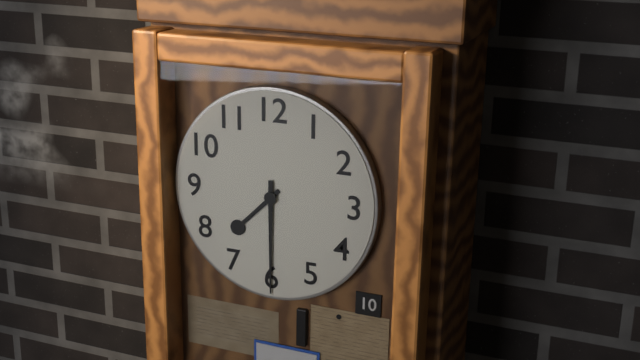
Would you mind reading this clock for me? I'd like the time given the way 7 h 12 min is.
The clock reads 7 h 30 min
